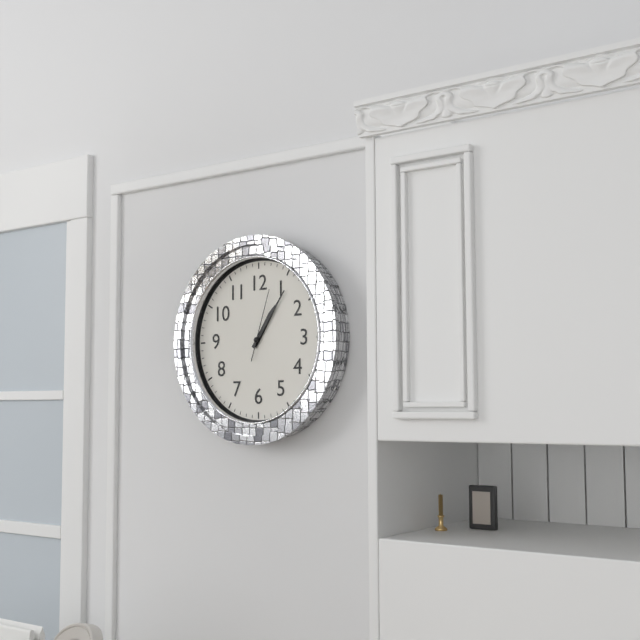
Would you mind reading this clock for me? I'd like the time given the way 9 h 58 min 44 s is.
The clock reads 1 h 06 min 03 s
